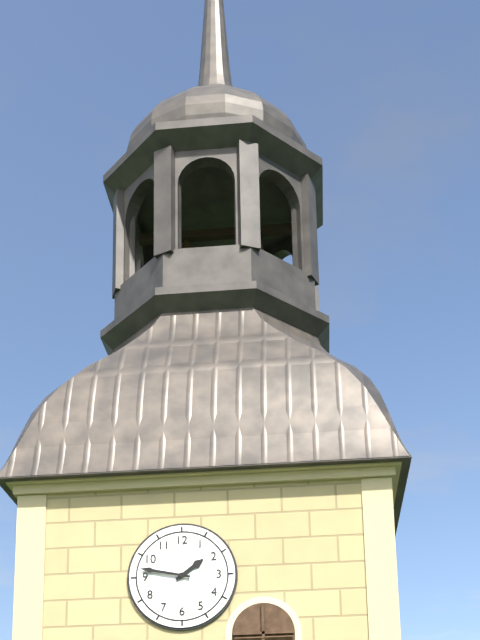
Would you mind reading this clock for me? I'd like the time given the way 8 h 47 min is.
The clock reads 1 h 47 min
